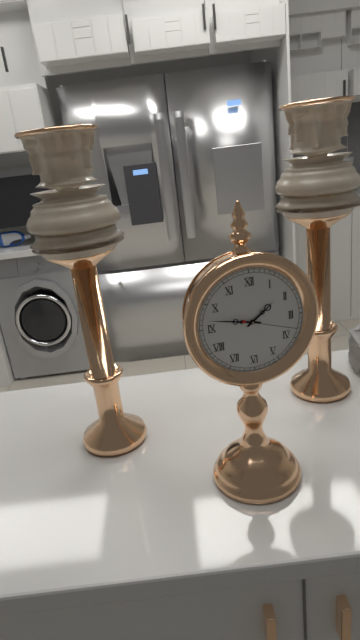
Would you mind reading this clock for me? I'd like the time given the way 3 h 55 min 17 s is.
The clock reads 1 h 47 min 18 s
